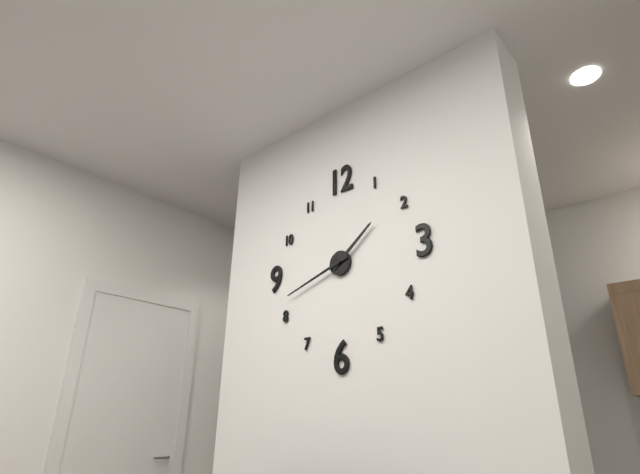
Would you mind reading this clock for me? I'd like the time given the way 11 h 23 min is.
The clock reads 1 h 42 min
